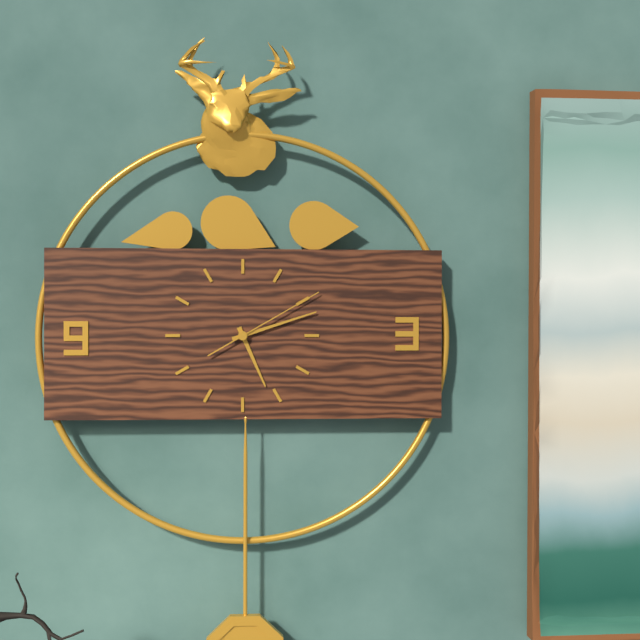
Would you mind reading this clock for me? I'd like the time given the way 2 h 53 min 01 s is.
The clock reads 5 h 12 min 10 s
